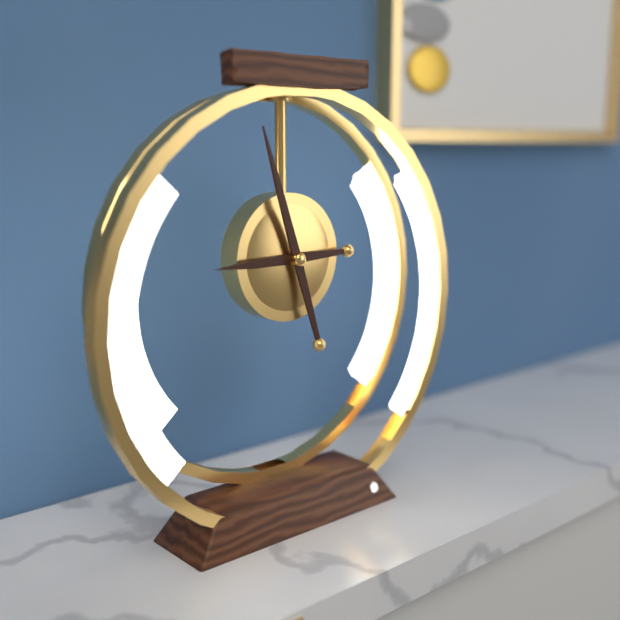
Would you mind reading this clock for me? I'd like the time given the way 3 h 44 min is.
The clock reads 8 h 57 min
